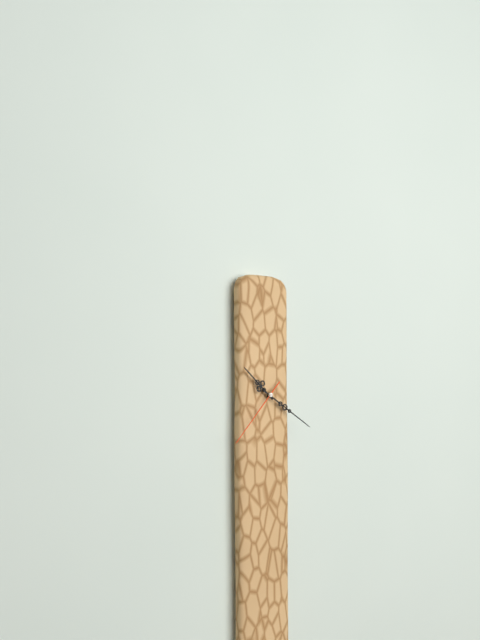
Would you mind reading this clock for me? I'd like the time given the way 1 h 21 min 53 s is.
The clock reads 10 h 20 min 37 s
